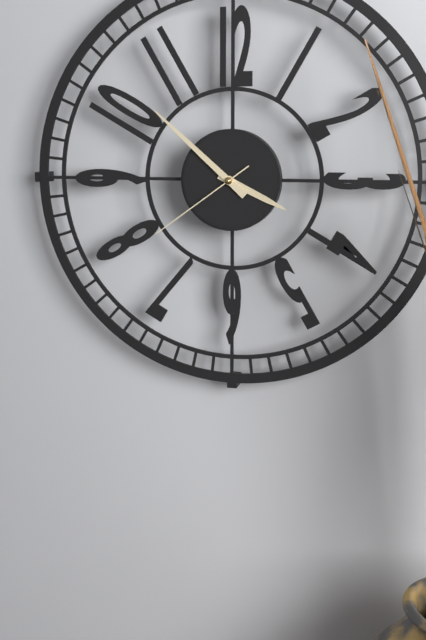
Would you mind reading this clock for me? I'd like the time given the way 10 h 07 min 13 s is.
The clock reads 3 h 52 min 39 s
